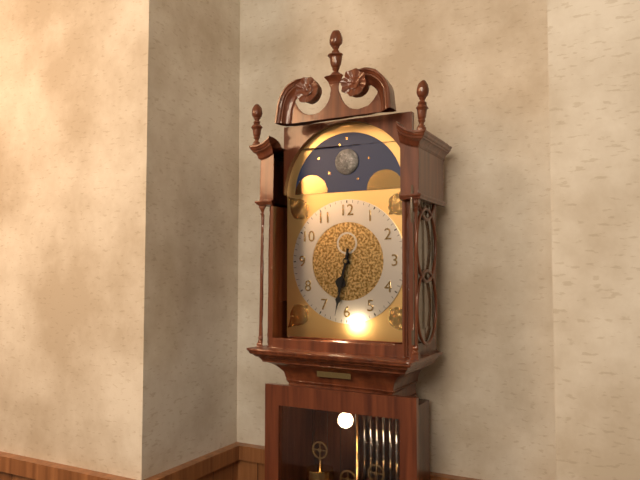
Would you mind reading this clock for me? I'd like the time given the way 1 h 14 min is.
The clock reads 6 h 32 min
